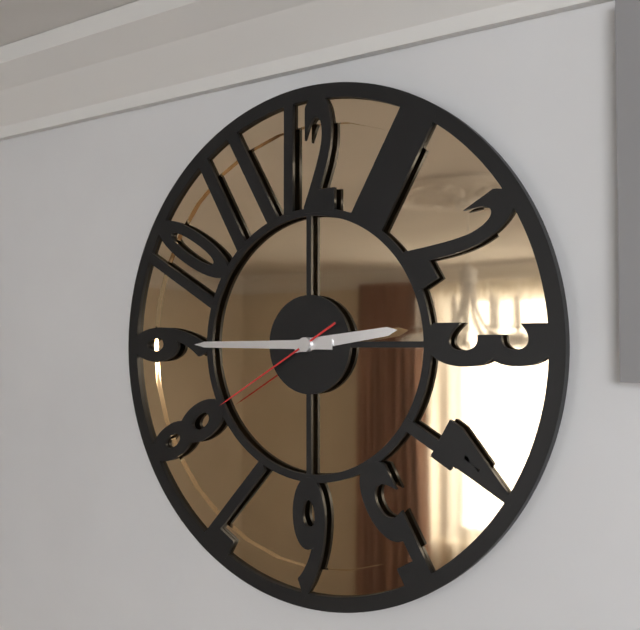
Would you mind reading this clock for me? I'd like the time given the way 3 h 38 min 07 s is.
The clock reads 2 h 45 min 40 s
